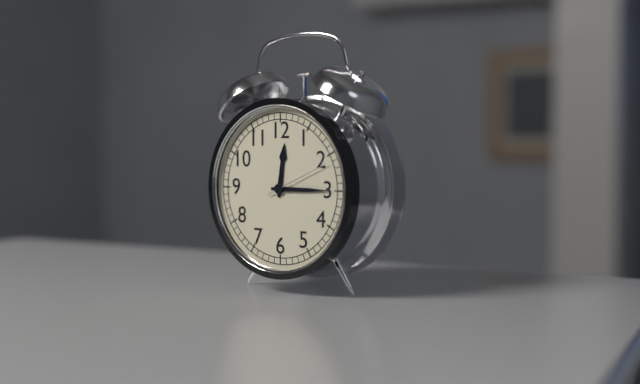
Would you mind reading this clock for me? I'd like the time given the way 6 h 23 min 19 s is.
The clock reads 12 h 15 min 11 s
